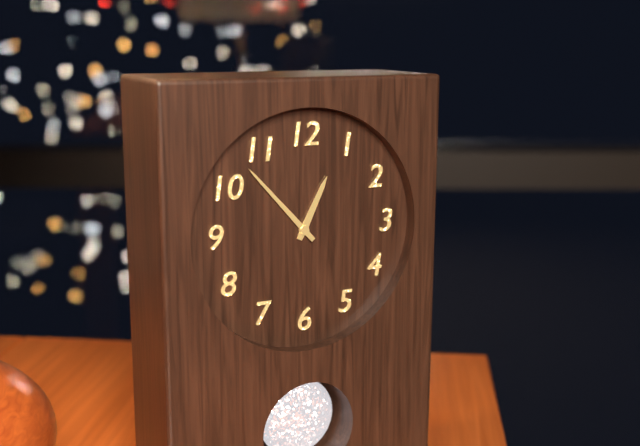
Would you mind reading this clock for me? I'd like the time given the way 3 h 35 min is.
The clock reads 12 h 53 min
